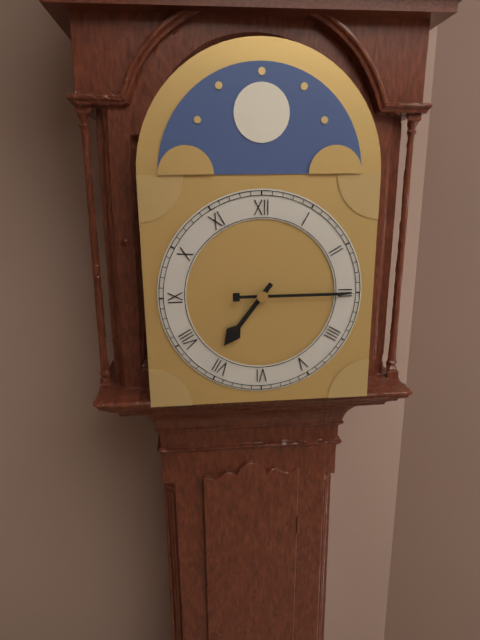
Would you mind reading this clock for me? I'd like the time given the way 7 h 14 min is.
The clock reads 7 h 15 min
